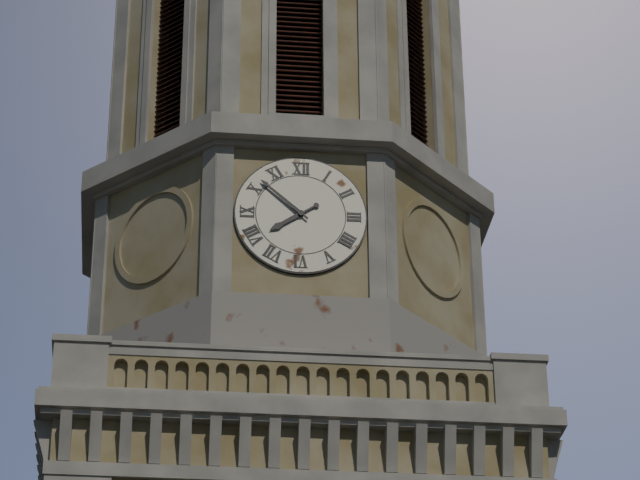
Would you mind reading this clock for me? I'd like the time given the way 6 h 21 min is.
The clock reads 7 h 52 min
